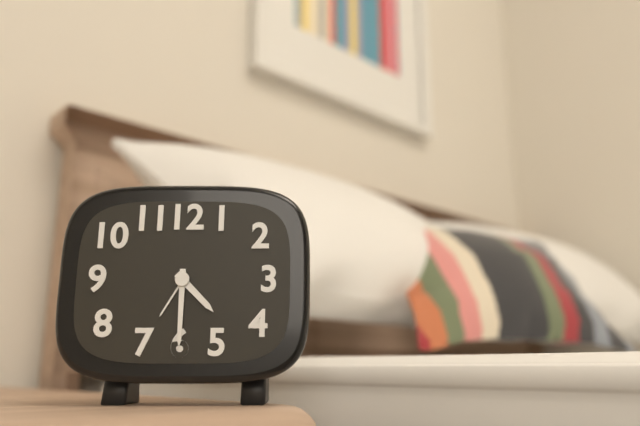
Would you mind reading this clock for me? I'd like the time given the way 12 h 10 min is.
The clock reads 4 h 30 min
